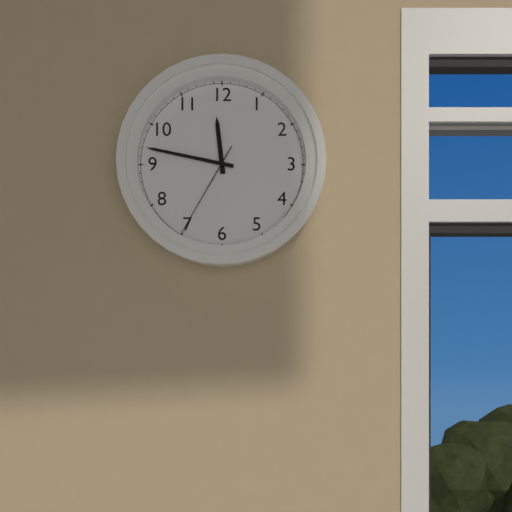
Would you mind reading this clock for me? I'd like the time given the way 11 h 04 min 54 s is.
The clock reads 11 h 47 min 35 s
